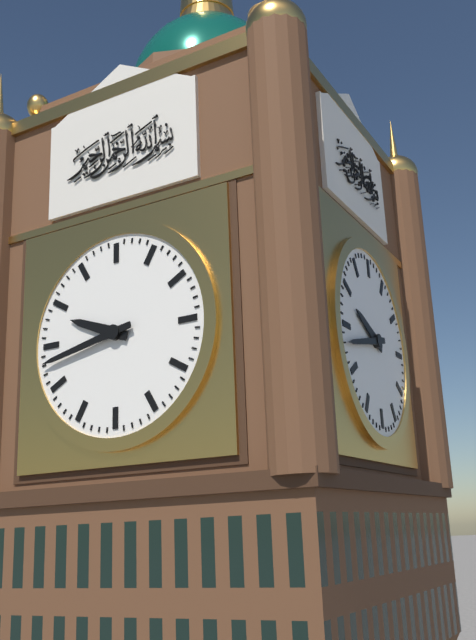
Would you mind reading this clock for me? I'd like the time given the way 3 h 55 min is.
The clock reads 9 h 43 min
